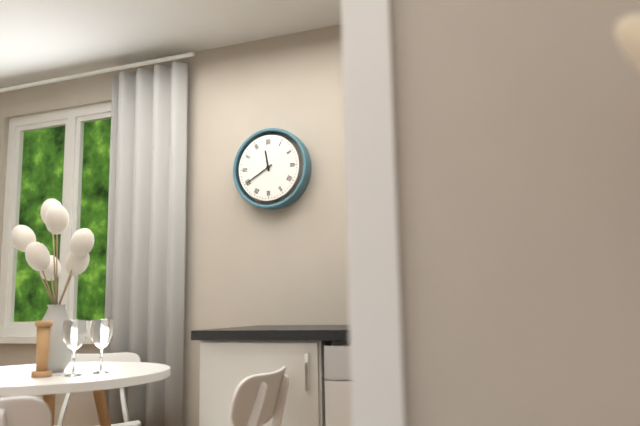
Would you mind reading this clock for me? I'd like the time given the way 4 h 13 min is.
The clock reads 11 h 40 min
